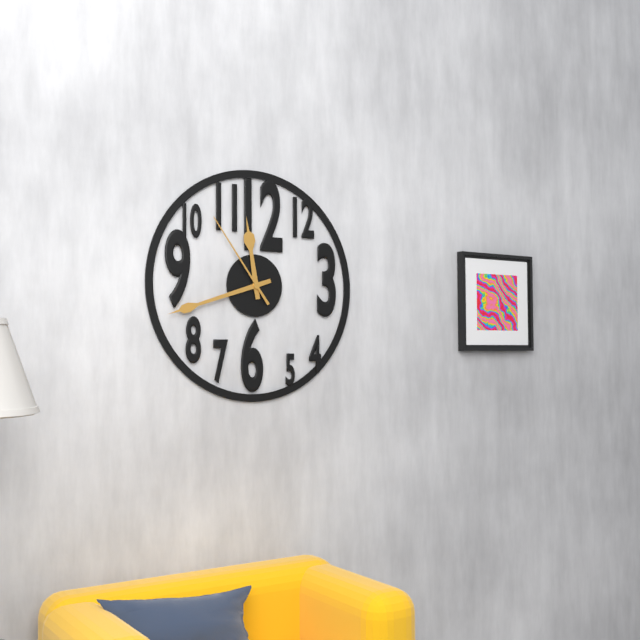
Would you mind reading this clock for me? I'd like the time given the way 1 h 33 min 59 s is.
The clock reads 11 h 42 min 54 s
